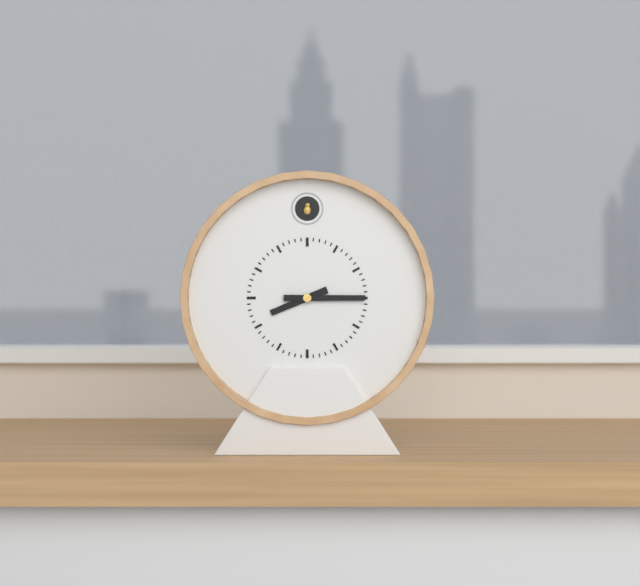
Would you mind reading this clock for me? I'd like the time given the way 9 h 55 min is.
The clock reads 8 h 15 min
